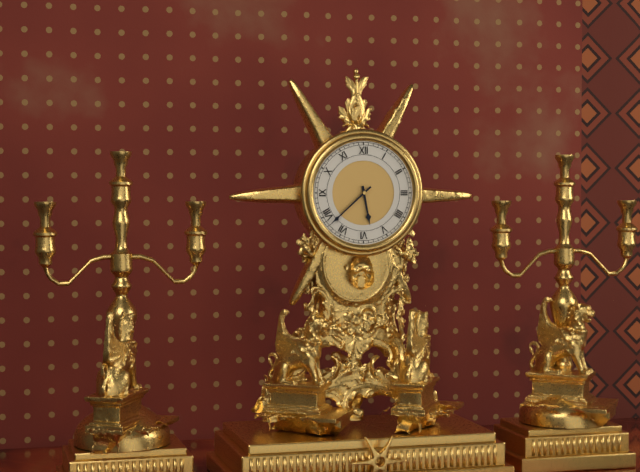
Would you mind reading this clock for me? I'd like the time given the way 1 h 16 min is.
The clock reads 5 h 38 min
